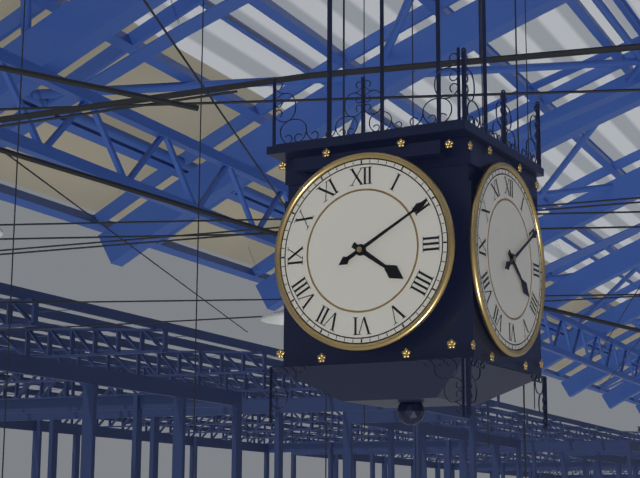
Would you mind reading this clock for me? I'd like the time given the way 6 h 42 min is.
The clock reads 4 h 10 min
